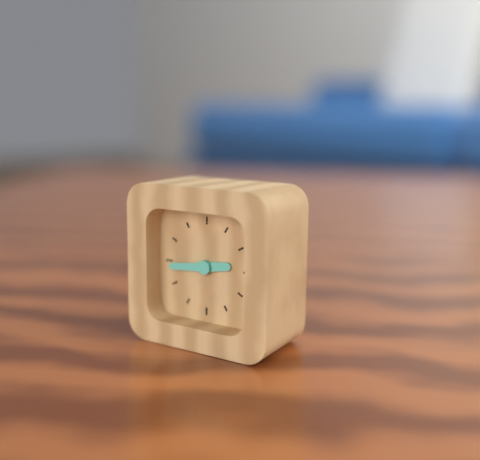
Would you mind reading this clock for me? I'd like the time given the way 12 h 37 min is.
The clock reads 2 h 44 min
